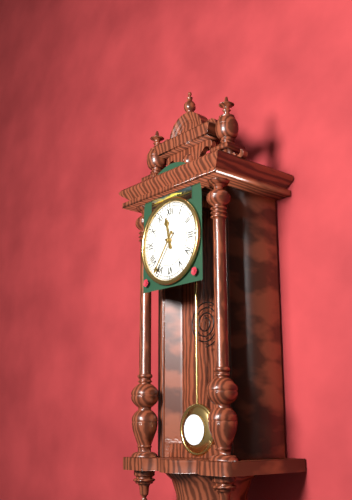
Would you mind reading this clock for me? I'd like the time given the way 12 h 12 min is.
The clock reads 11 h 36 min
